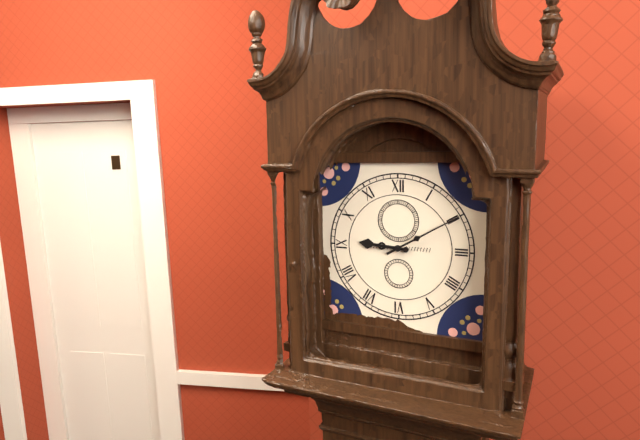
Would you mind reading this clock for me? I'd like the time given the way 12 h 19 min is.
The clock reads 9 h 10 min
